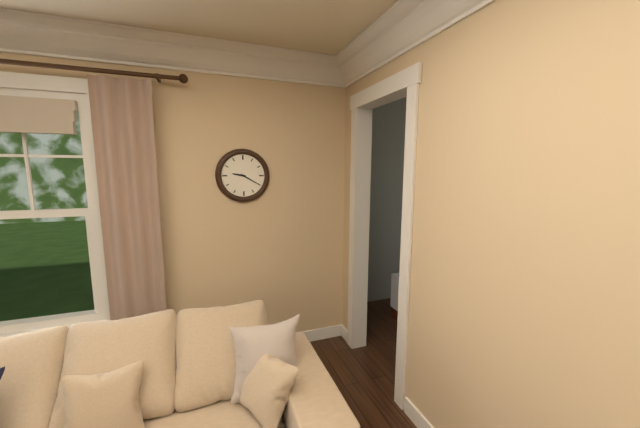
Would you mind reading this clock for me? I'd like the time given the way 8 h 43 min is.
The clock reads 9 h 20 min
